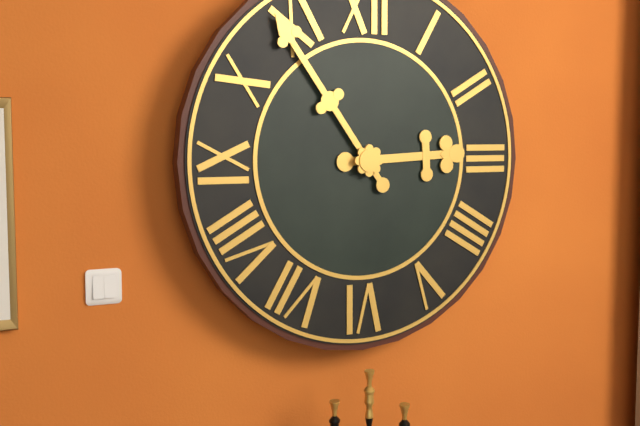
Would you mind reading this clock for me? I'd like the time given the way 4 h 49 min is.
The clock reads 2 h 54 min
